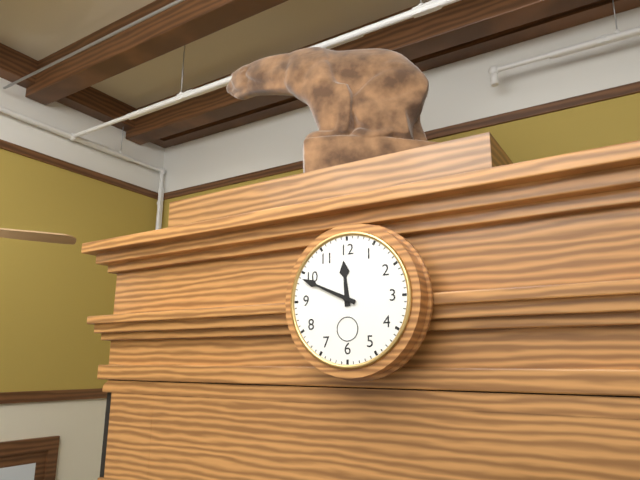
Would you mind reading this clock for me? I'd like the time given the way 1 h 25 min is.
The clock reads 11 h 49 min
